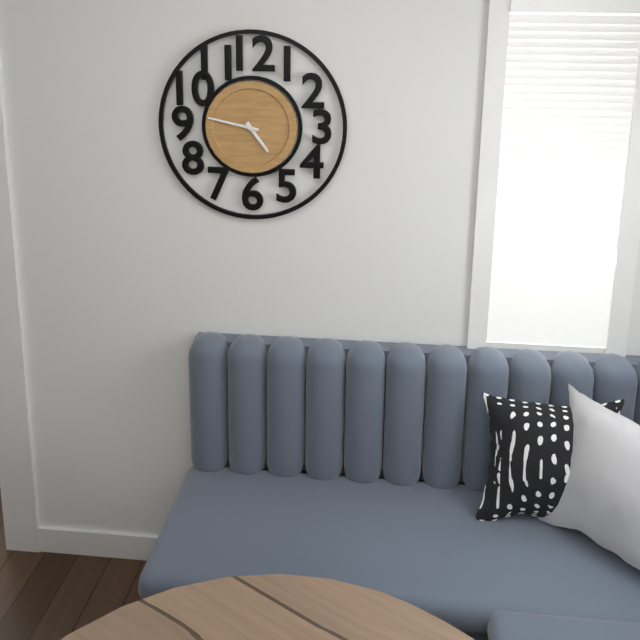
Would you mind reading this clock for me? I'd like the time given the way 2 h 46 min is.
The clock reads 4 h 47 min
